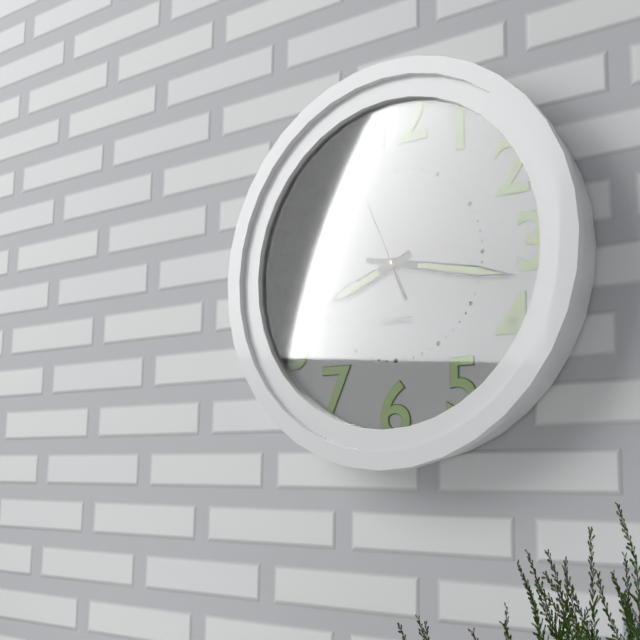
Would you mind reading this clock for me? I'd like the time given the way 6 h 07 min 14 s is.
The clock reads 8 h 17 min 56 s
